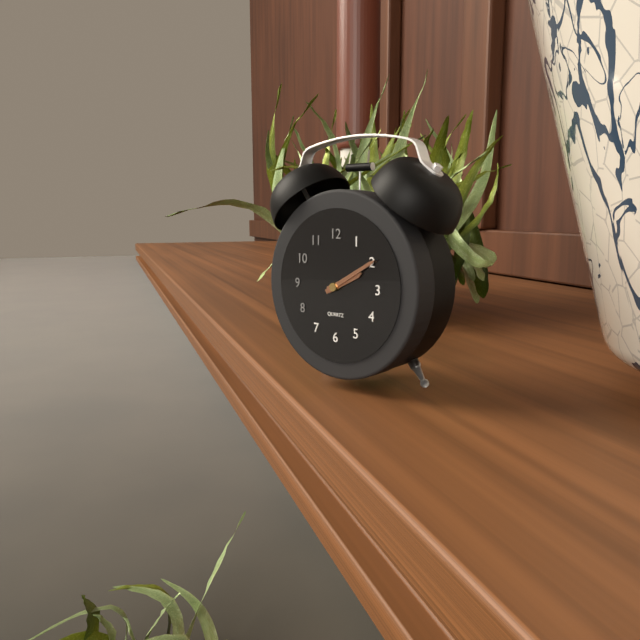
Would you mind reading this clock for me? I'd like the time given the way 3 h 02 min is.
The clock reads 2 h 10 min
